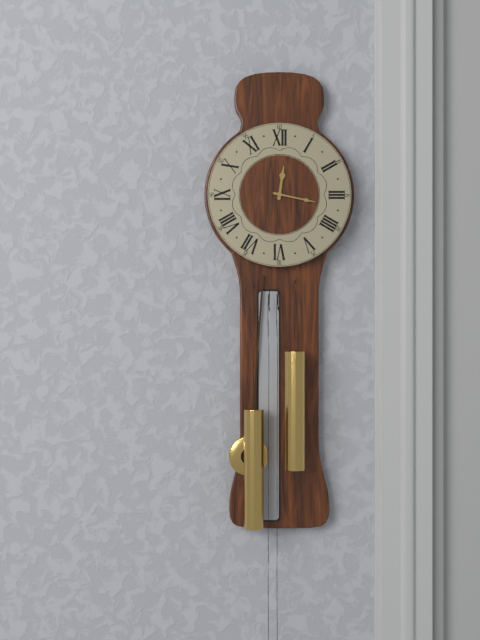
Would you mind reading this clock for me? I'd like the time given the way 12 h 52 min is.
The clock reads 12 h 17 min
